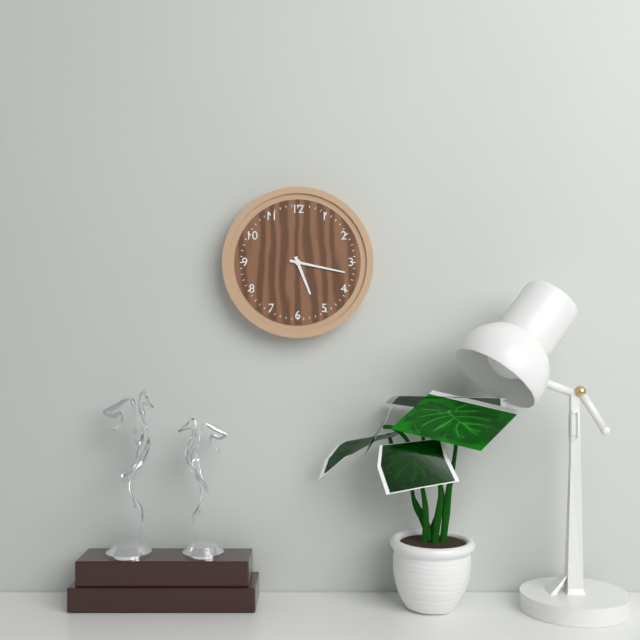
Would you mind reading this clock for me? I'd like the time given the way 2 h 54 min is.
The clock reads 5 h 17 min
